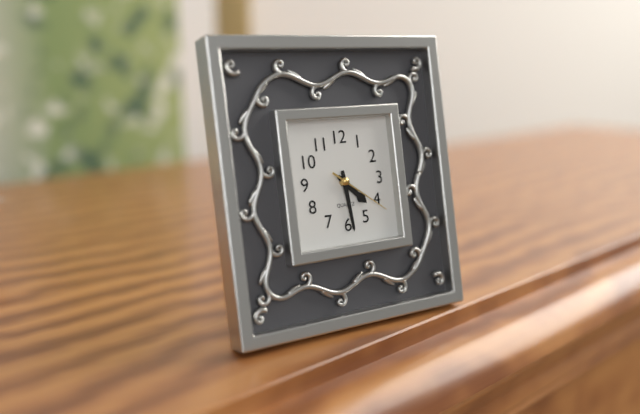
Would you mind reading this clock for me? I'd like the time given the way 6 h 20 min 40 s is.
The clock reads 4 h 29 min 21 s
